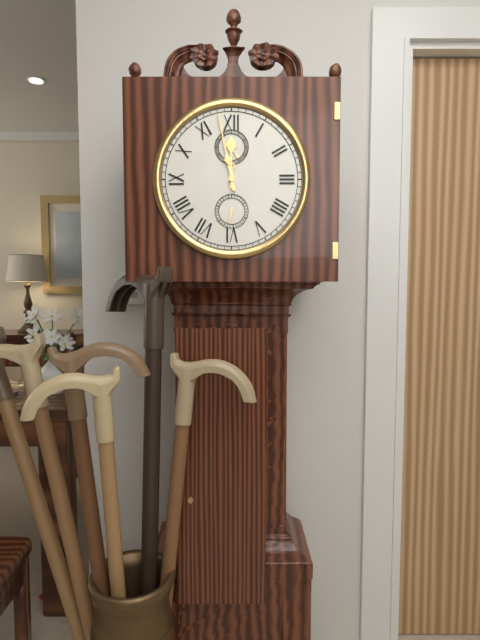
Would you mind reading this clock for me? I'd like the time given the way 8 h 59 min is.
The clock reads 11 h 58 min
